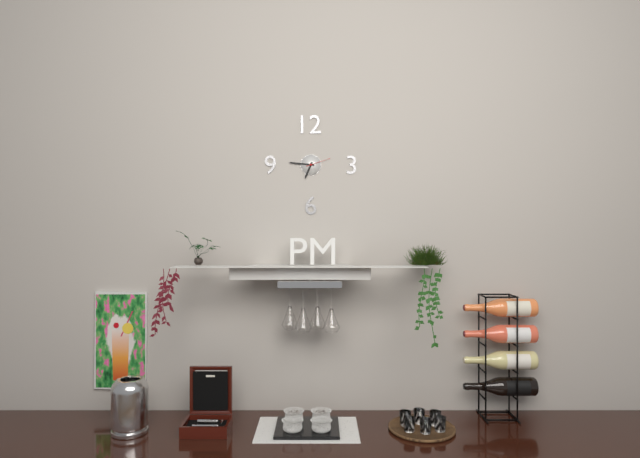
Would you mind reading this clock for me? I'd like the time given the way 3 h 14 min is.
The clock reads 6 h 46 min
